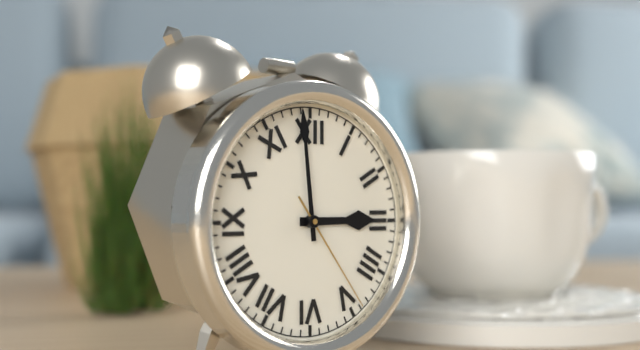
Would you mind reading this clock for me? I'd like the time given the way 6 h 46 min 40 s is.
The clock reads 2 h 59 min 24 s
